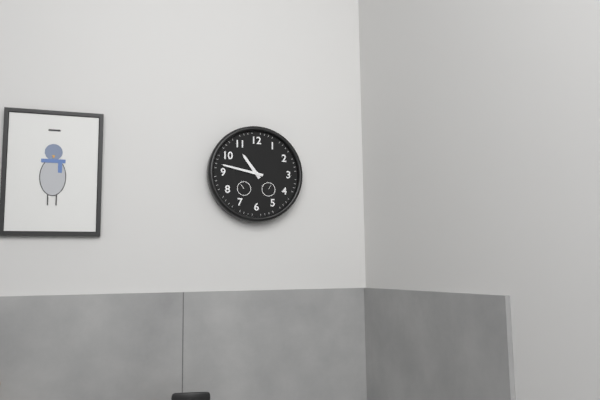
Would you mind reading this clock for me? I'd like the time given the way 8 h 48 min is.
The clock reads 10 h 47 min
